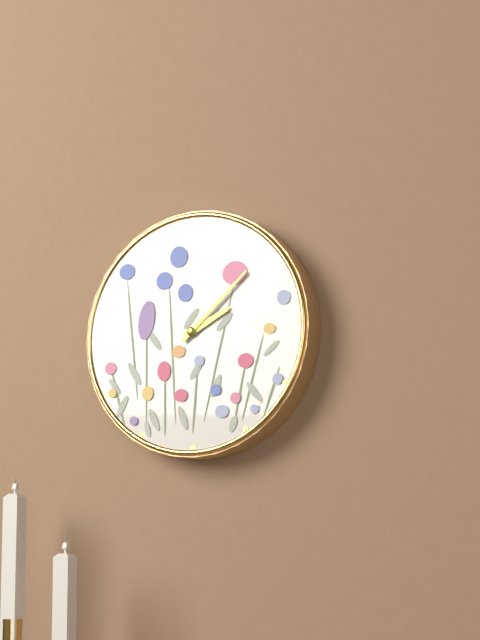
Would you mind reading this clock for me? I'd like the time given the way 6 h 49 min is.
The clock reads 2 h 08 min
